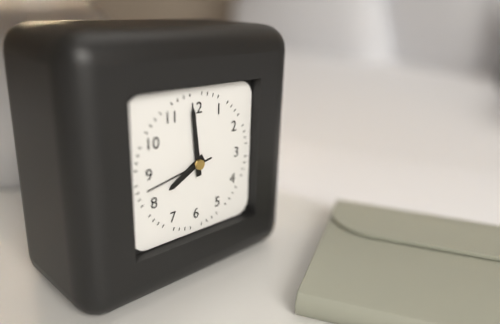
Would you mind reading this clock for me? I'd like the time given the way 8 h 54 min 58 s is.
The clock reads 7 h 59 min 43 s
